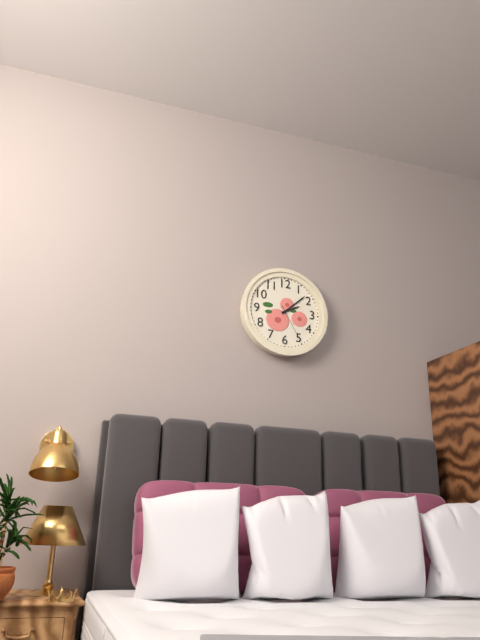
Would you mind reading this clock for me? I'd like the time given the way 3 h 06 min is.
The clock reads 2 h 08 min
